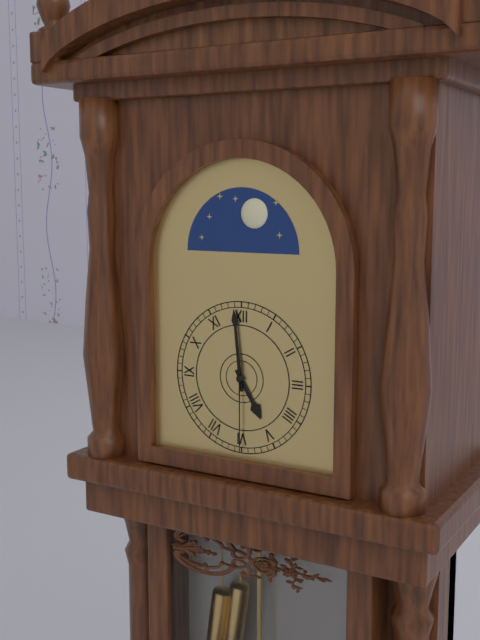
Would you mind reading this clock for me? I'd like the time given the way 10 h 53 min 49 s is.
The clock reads 4 h 59 min 30 s
